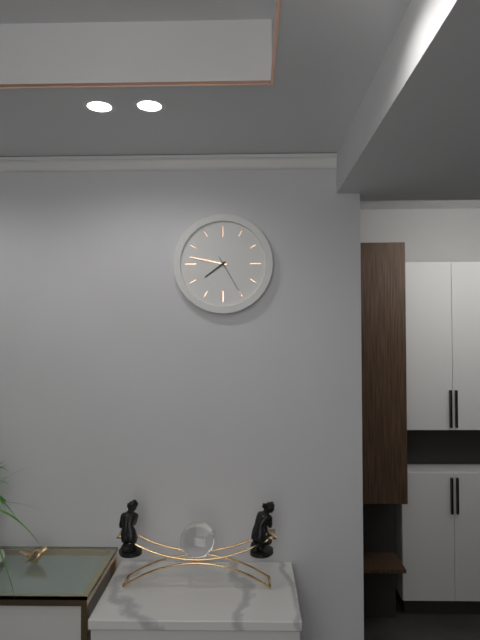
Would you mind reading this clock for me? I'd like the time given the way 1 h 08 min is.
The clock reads 7 h 47 min
